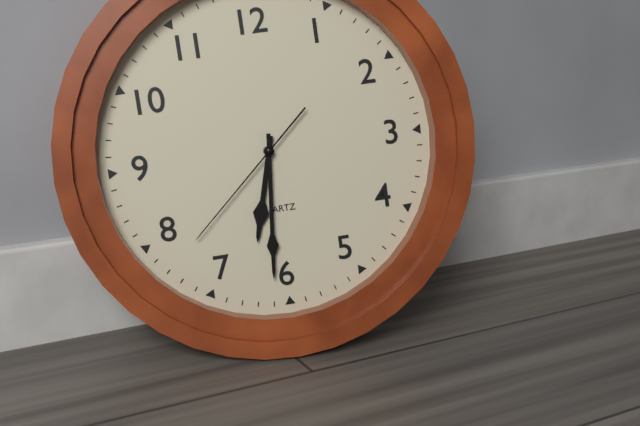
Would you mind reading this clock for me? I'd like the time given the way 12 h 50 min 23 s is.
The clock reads 6 h 31 min 38 s
